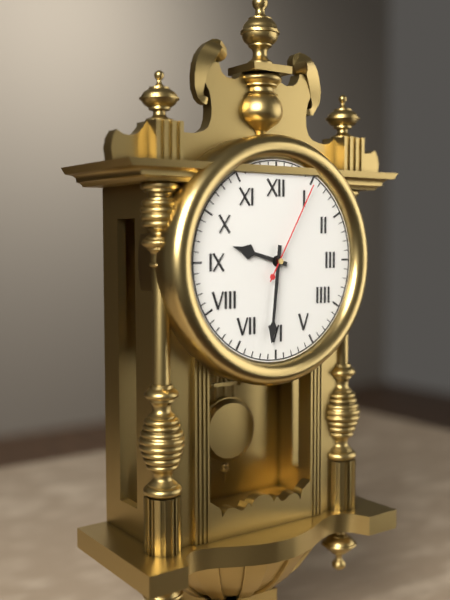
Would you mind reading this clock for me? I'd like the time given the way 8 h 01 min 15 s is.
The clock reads 9 h 31 min 05 s
